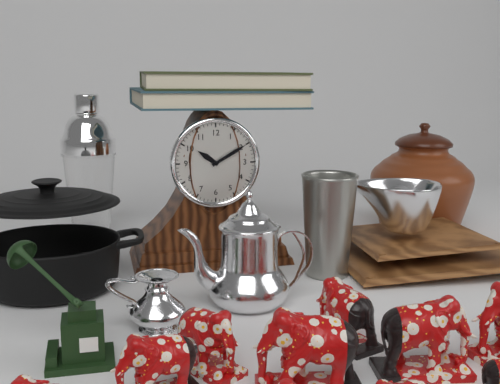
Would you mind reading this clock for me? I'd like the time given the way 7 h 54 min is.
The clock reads 10 h 10 min
